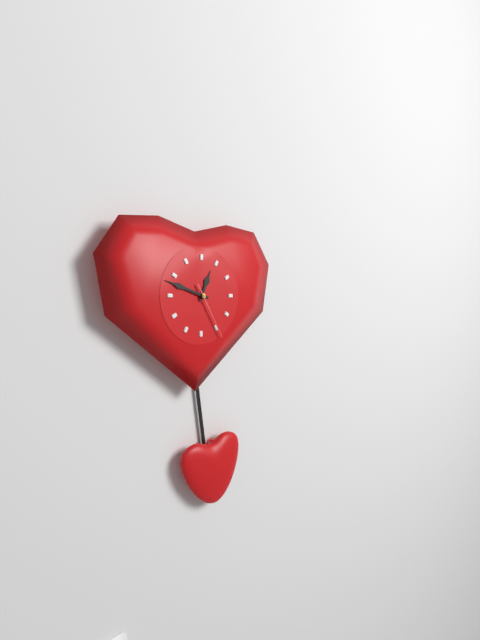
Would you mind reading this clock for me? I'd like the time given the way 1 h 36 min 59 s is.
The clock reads 12 h 48 min 25 s
